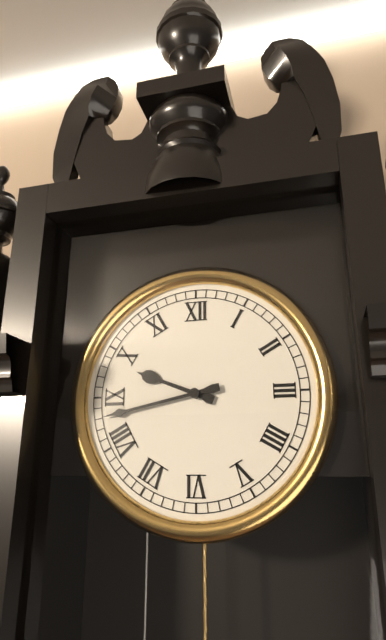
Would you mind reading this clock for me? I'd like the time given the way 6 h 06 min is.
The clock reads 9 h 43 min
